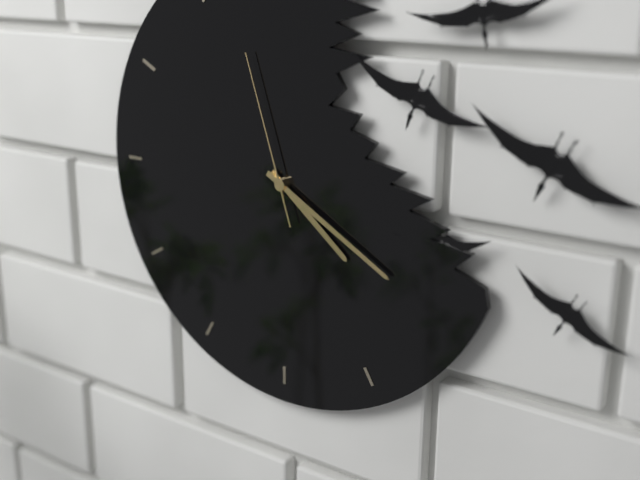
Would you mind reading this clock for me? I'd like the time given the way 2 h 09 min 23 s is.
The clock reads 4 h 20 min 57 s
